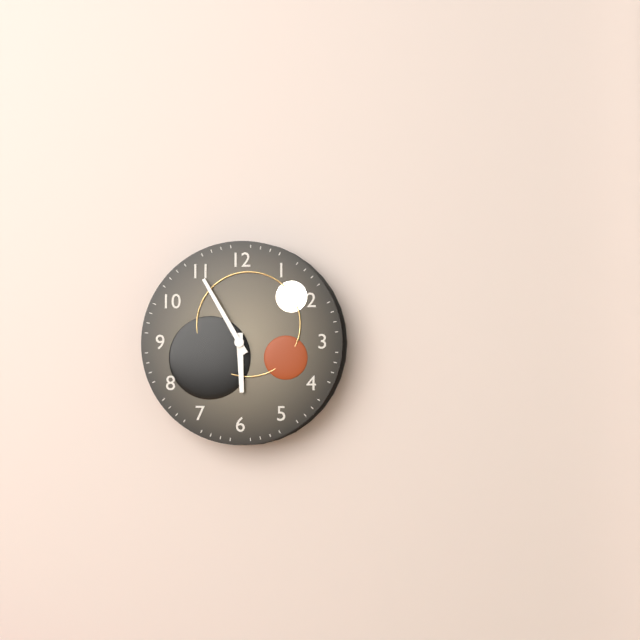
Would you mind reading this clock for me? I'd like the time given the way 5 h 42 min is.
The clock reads 5 h 55 min
